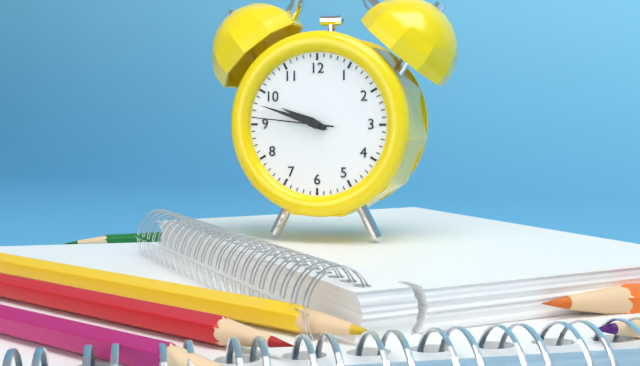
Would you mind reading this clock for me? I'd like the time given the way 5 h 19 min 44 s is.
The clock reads 9 h 48 min 46 s
